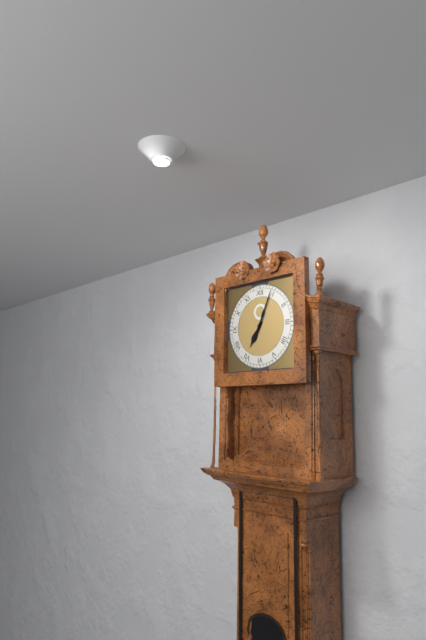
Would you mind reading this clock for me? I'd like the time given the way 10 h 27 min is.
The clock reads 7 h 04 min
